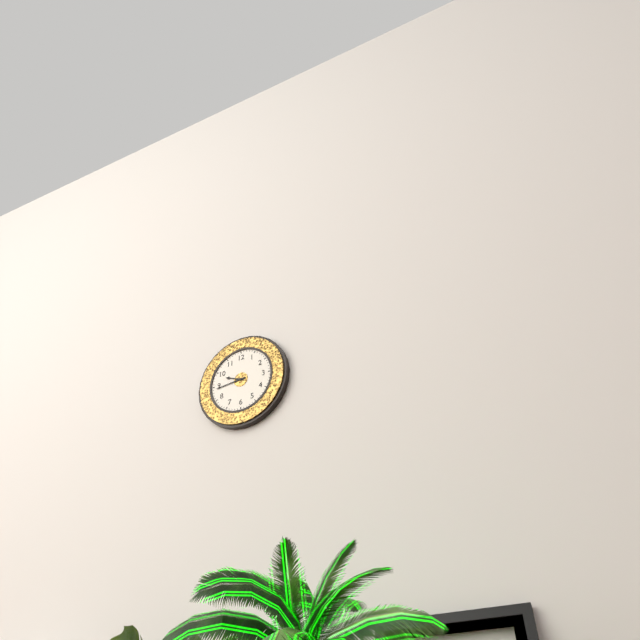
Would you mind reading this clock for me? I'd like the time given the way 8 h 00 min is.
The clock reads 9 h 44 min
